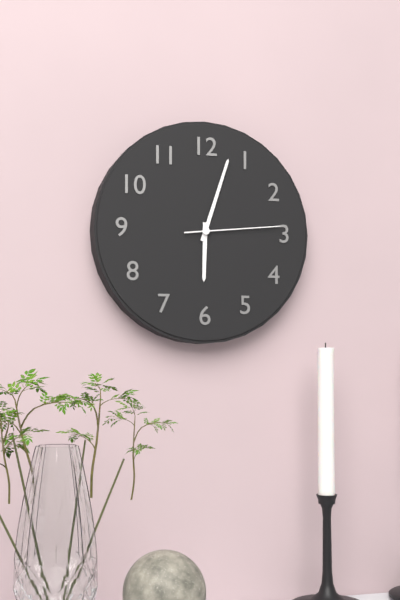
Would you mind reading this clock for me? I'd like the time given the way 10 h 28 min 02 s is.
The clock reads 6 h 03 min 14 s
